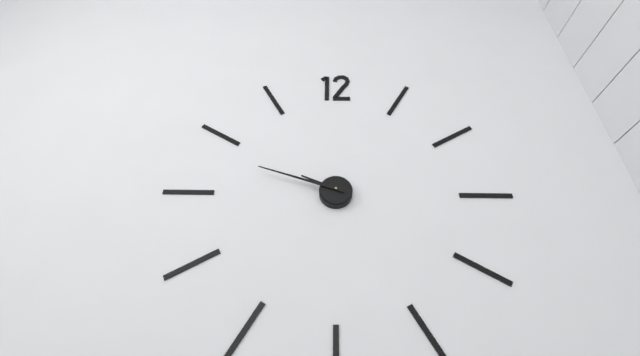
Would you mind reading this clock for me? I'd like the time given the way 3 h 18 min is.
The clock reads 9 h 48 min
